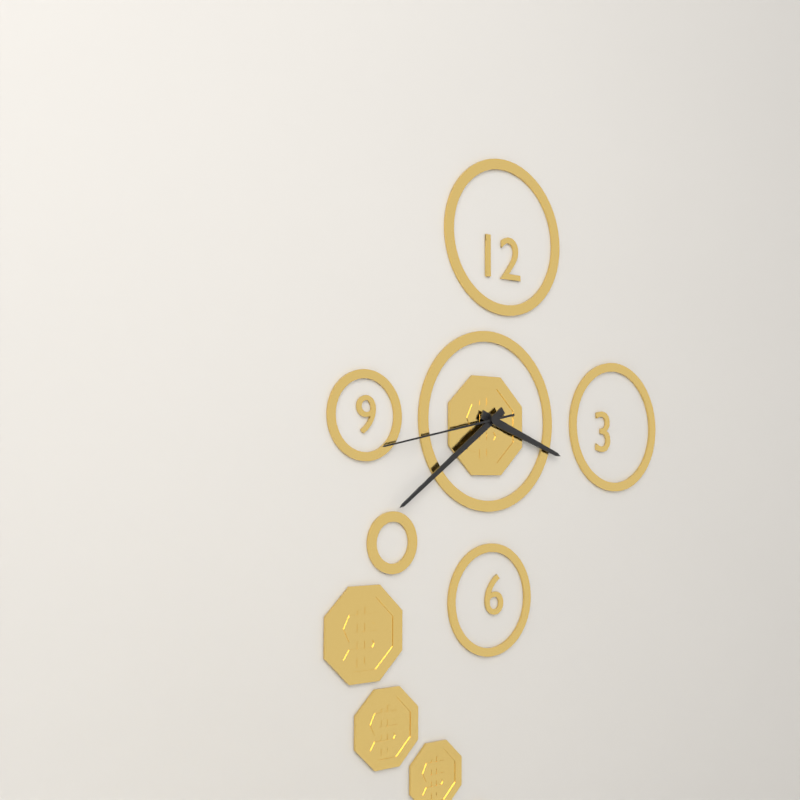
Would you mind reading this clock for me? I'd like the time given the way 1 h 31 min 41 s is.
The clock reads 3 h 39 min 43 s
